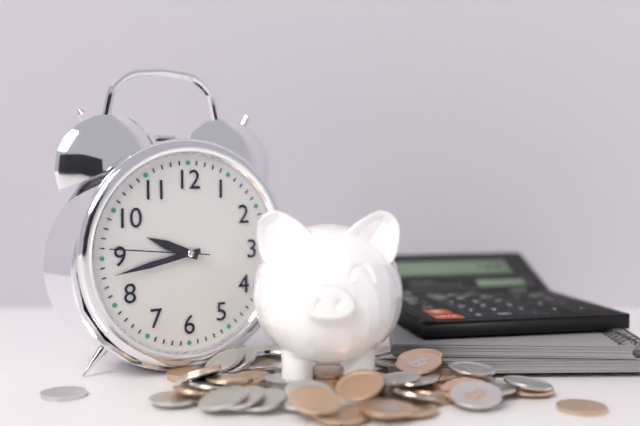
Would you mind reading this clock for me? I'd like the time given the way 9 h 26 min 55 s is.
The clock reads 9 h 43 min 46 s
